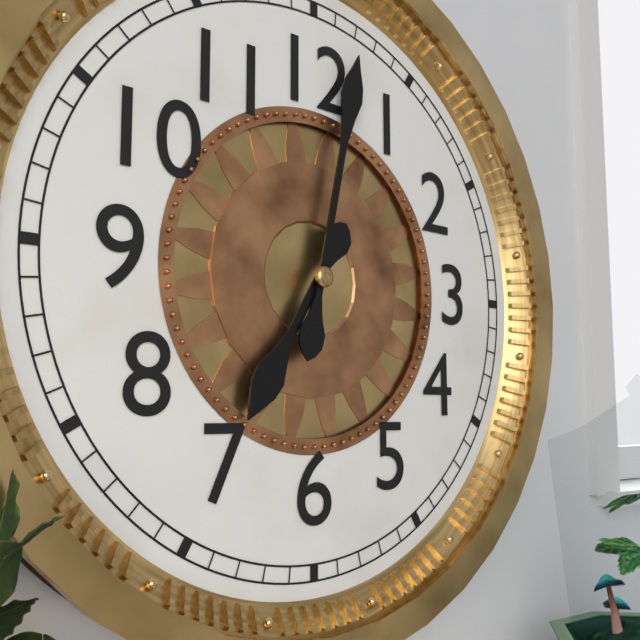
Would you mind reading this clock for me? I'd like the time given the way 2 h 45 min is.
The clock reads 7 h 02 min
